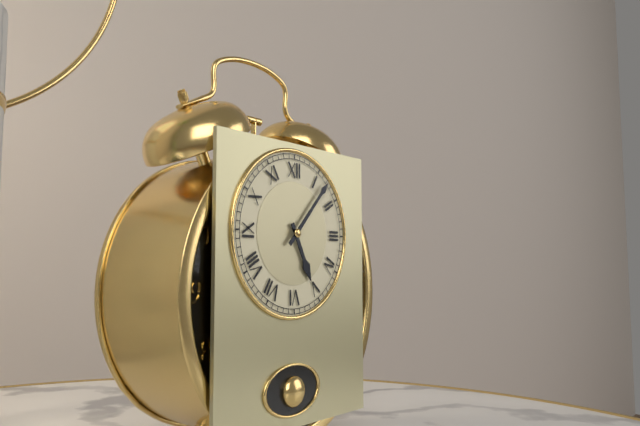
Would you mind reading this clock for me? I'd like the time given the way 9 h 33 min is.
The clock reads 5 h 07 min
